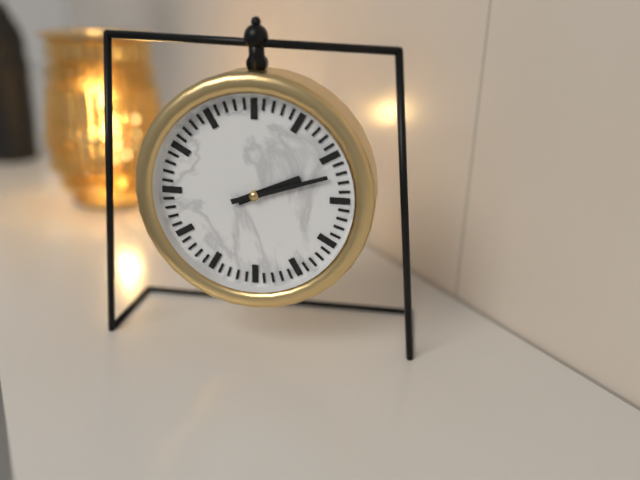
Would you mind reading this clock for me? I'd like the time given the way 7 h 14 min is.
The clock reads 2 h 12 min
